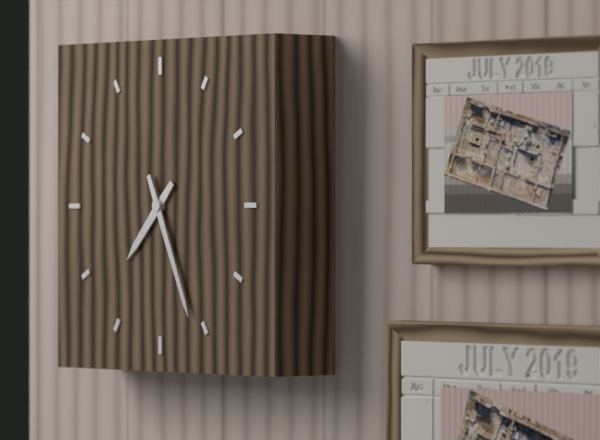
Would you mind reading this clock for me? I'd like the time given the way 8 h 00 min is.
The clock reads 7 h 26 min
